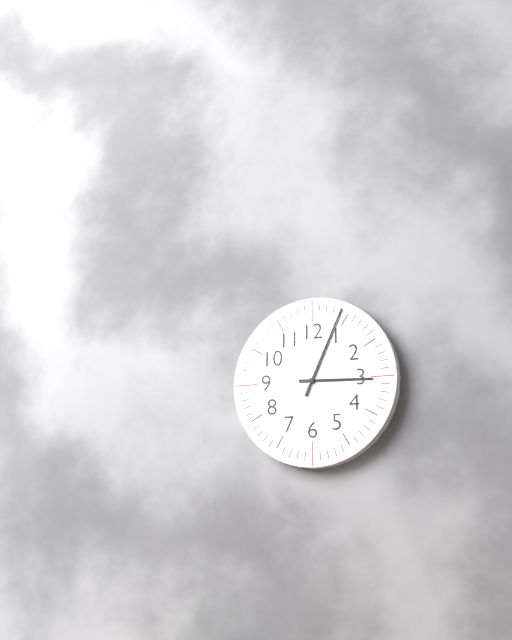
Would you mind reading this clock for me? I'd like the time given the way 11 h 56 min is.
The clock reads 3 h 04 min
